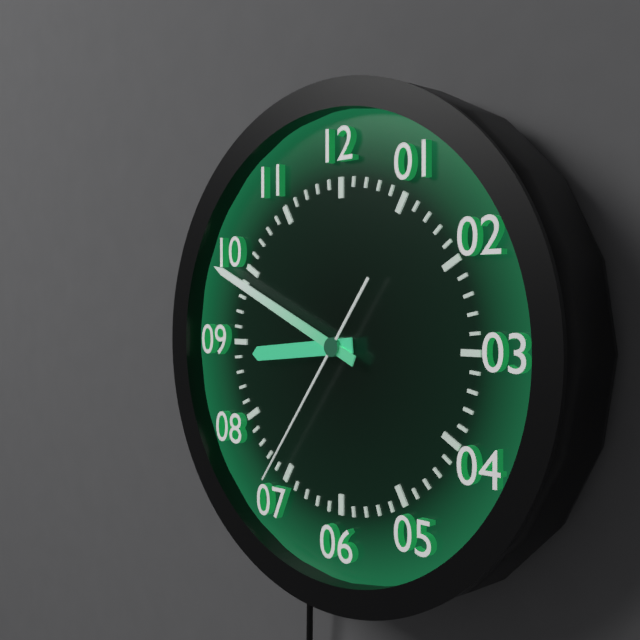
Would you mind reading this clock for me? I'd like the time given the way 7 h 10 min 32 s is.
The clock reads 8 h 49 min 36 s
